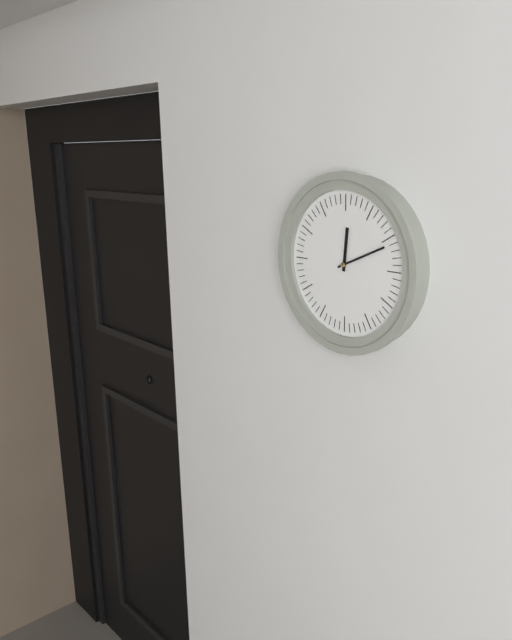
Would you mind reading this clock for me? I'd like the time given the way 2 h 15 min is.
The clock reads 12 h 11 min
